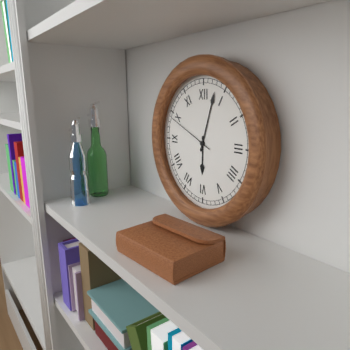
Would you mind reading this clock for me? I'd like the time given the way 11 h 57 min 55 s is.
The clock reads 6 h 03 min 49 s
